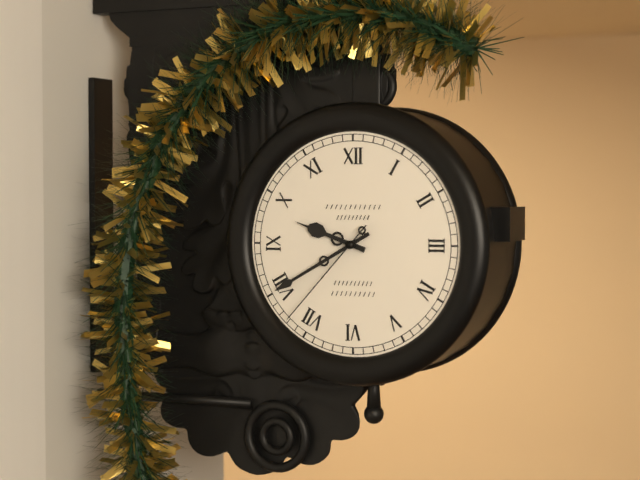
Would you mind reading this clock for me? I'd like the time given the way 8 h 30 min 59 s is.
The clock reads 9 h 40 min 37 s
